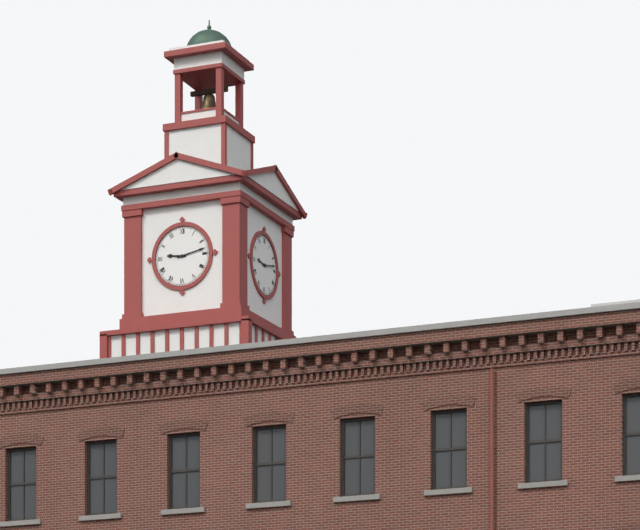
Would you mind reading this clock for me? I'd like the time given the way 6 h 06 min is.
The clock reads 9 h 13 min
